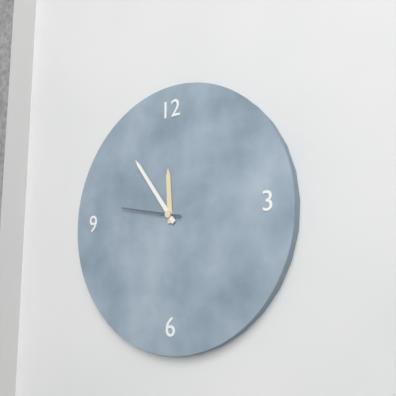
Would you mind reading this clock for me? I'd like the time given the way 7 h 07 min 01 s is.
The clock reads 11 h 54 min 47 s
